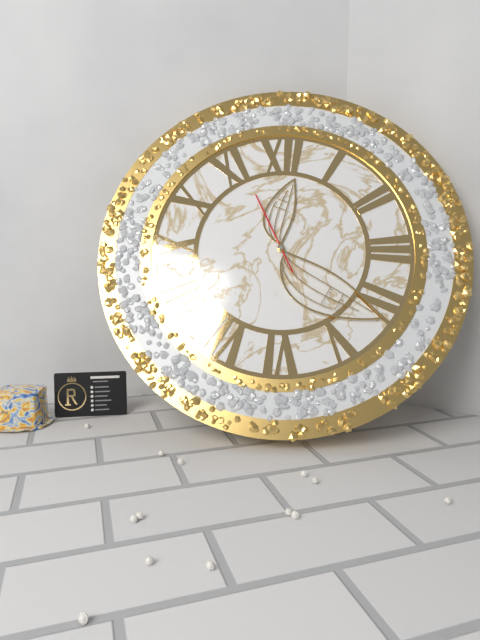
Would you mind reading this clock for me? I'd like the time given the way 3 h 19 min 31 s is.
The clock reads 12 h 21 min 56 s
